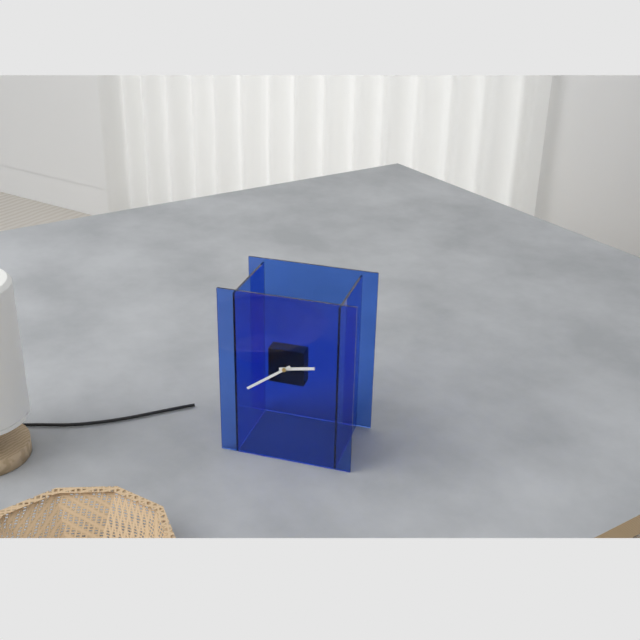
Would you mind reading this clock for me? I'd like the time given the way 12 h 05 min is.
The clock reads 2 h 39 min
